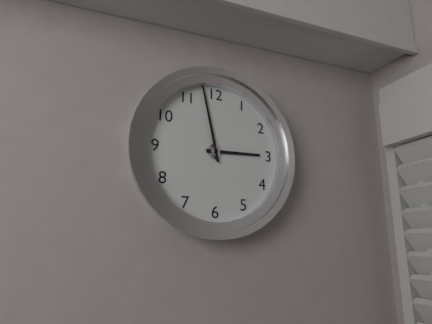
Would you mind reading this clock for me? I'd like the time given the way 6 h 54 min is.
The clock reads 2 h 58 min
